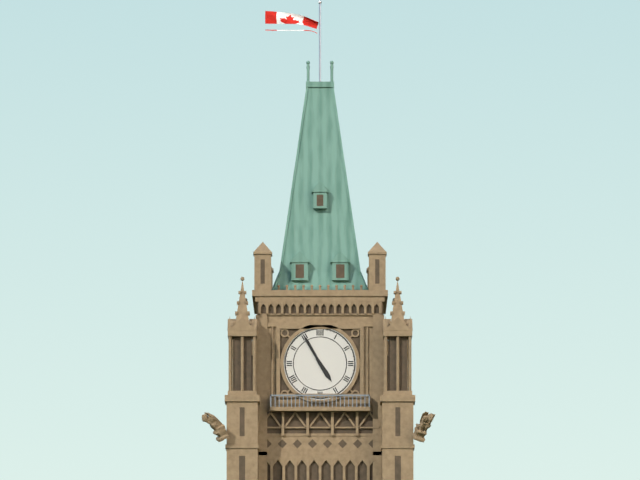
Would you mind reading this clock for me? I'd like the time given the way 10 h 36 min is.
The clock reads 4 h 55 min
